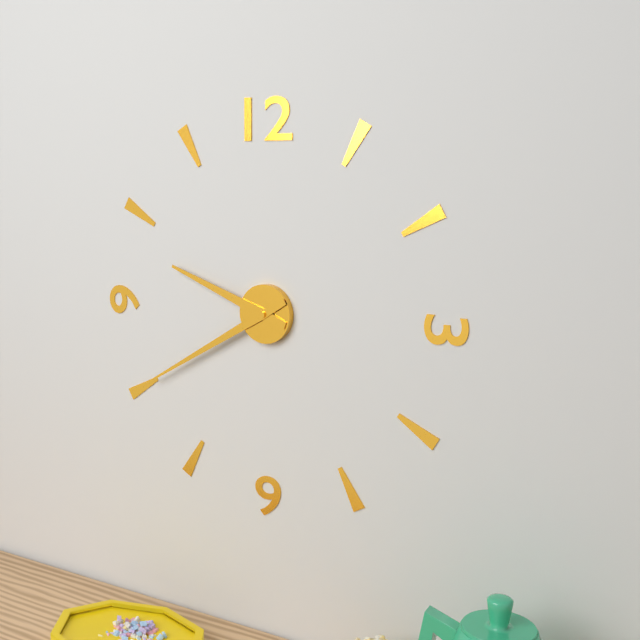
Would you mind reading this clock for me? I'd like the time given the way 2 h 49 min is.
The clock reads 9 h 40 min
